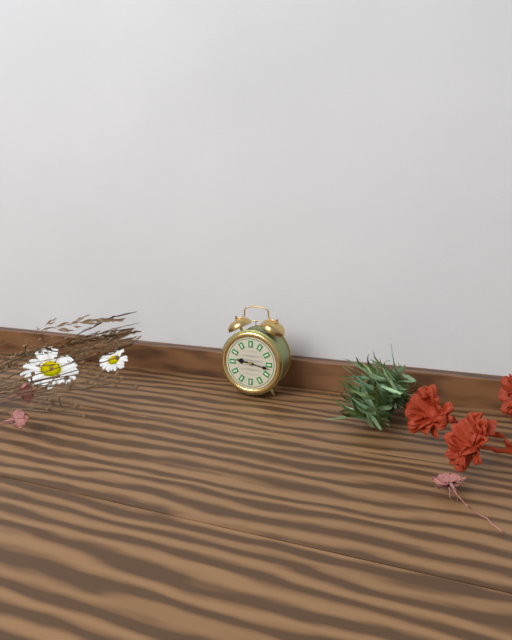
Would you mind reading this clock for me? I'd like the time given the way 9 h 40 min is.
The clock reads 9 h 17 min
